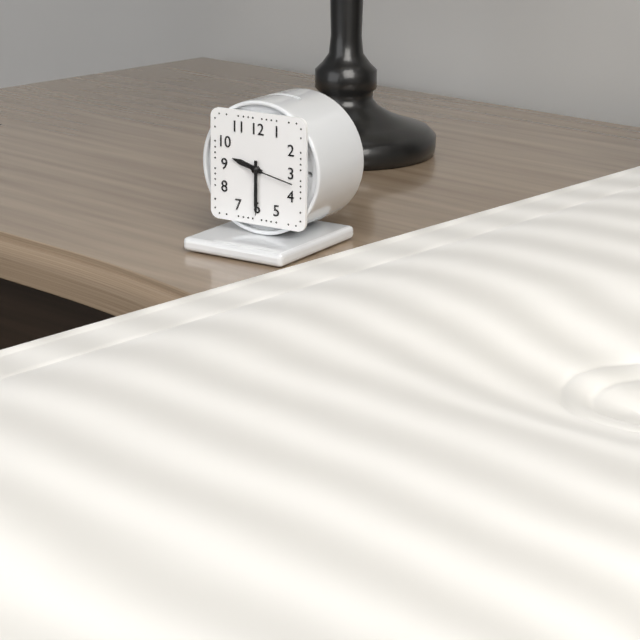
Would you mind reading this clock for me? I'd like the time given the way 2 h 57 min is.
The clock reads 9 h 30 min
